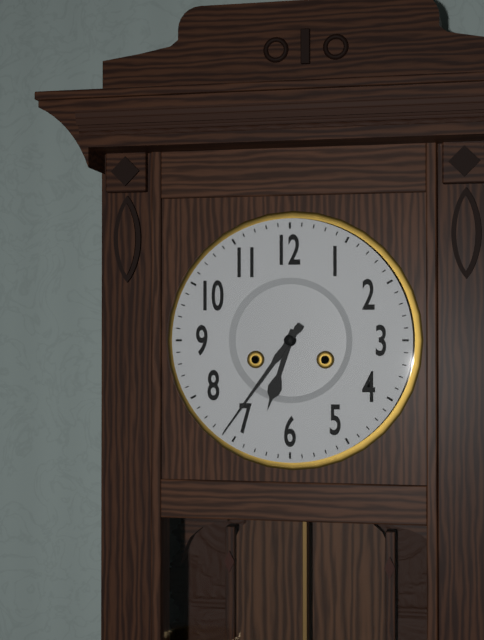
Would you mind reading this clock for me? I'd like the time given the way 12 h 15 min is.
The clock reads 6 h 36 min
